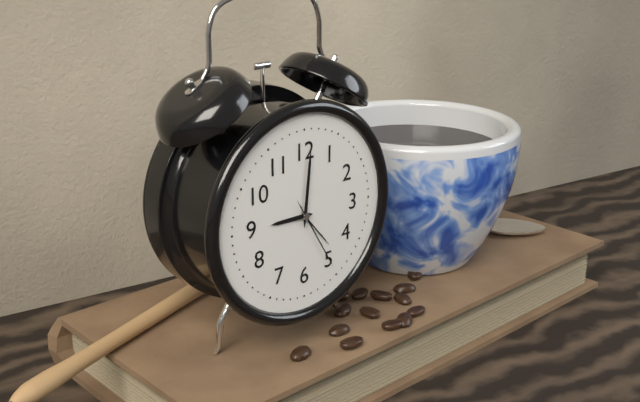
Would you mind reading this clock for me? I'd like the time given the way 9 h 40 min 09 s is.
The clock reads 9 h 01 min 25 s
